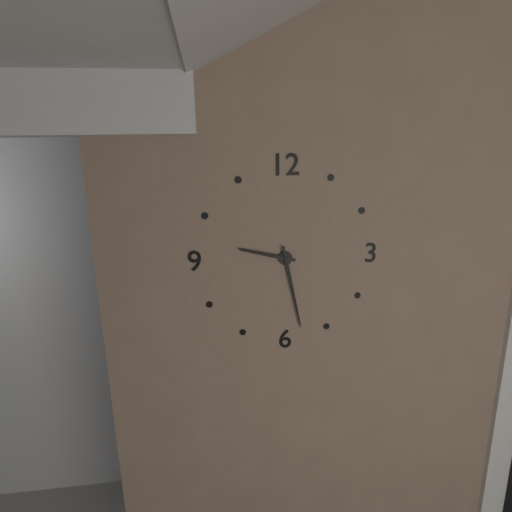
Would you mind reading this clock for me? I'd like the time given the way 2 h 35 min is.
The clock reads 9 h 28 min
